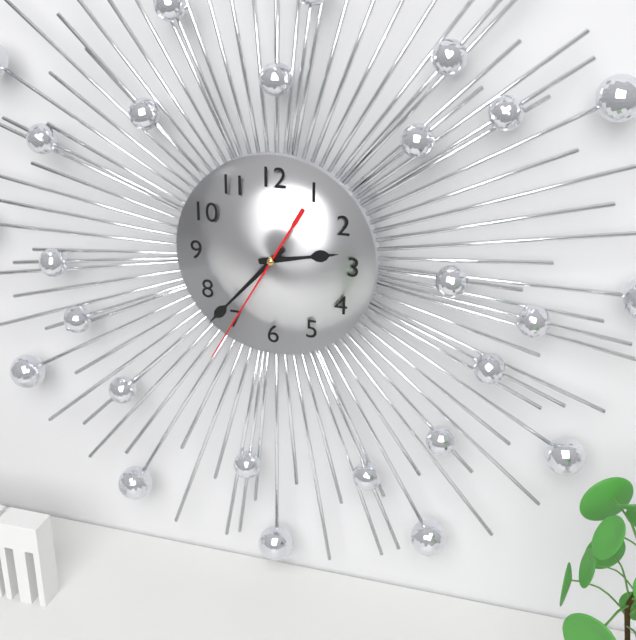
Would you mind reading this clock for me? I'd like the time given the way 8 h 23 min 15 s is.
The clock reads 2 h 37 min 35 s
